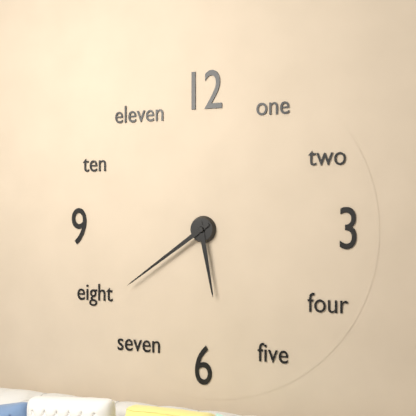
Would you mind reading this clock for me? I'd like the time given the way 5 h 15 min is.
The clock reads 5 h 39 min
